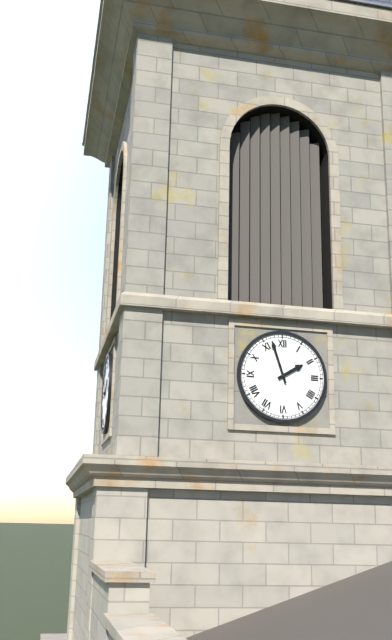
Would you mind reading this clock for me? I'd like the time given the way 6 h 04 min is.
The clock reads 1 h 57 min
